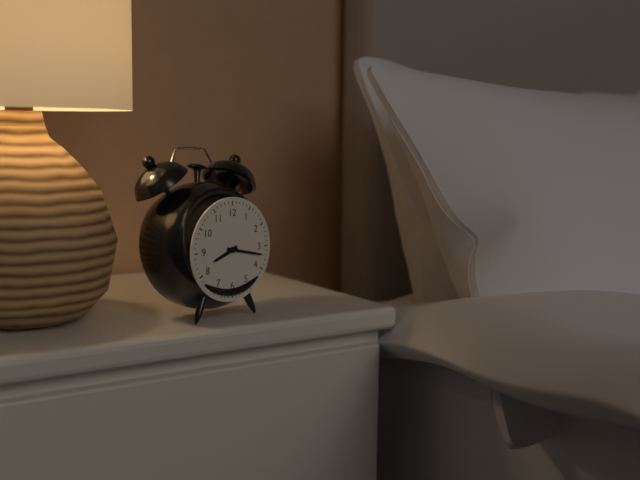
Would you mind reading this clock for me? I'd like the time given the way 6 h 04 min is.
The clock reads 8 h 17 min
